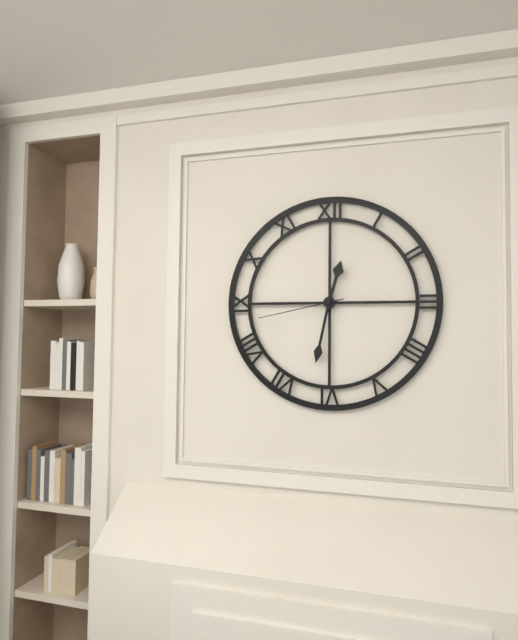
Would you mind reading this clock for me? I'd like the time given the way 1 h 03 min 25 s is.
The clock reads 12 h 32 min 43 s
